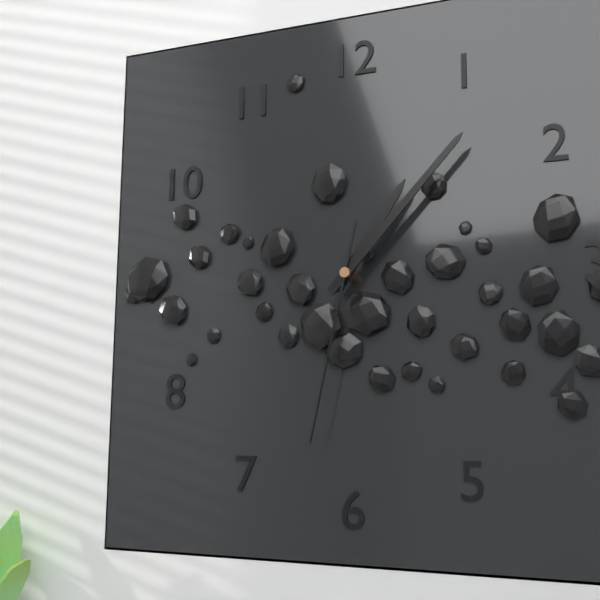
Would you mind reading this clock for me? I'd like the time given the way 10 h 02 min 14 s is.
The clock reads 1 h 07 min 32 s
